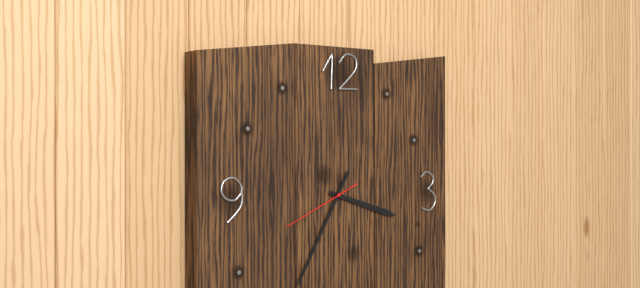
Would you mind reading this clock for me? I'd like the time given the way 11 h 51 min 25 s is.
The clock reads 3 h 35 min 41 s
